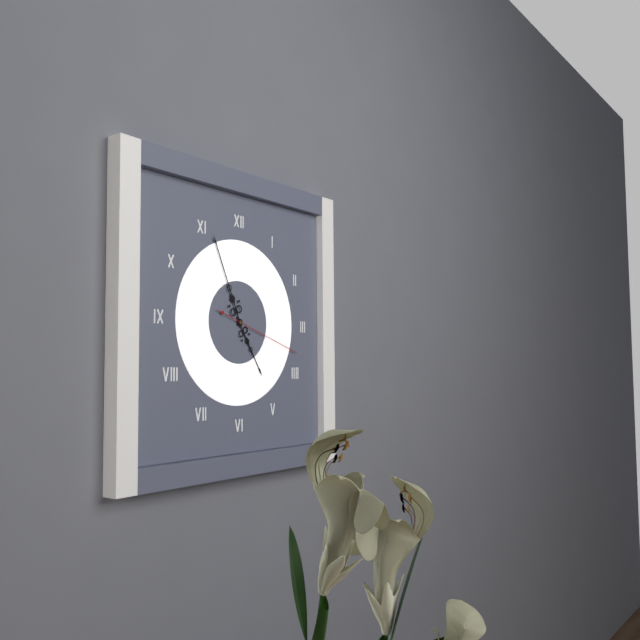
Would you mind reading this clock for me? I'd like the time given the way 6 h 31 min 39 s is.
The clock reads 4 h 56 min 18 s
